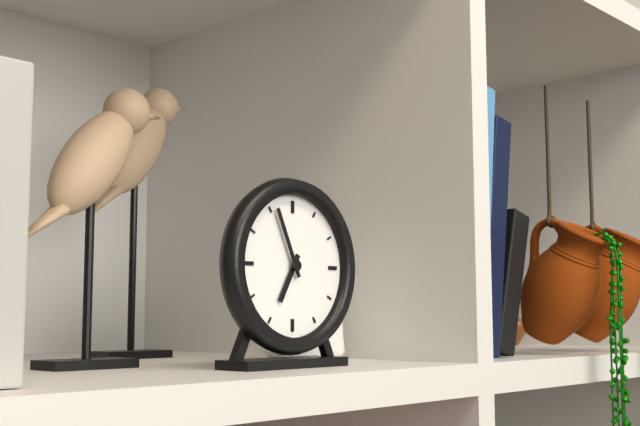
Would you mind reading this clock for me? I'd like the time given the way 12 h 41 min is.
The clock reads 6 h 56 min
